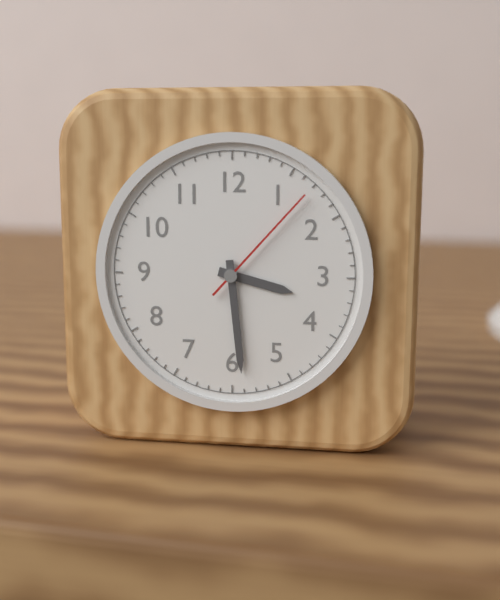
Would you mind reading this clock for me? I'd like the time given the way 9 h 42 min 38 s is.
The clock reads 3 h 29 min 07 s
